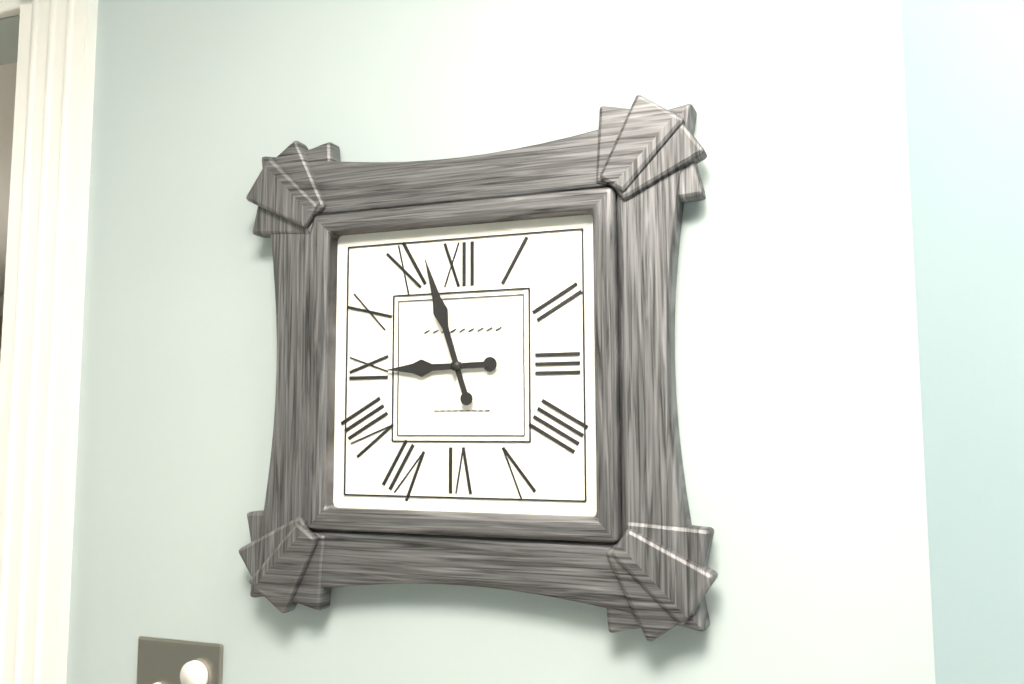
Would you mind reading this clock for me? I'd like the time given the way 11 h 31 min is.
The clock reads 8 h 57 min
